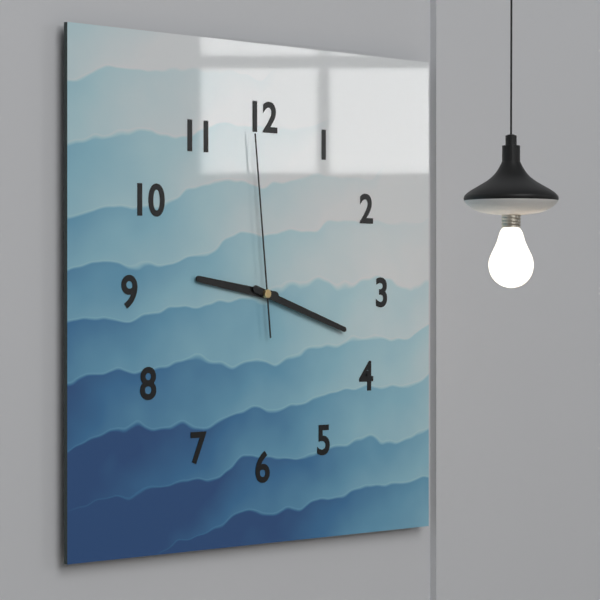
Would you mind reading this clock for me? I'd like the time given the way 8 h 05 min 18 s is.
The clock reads 9 h 18 min 59 s
